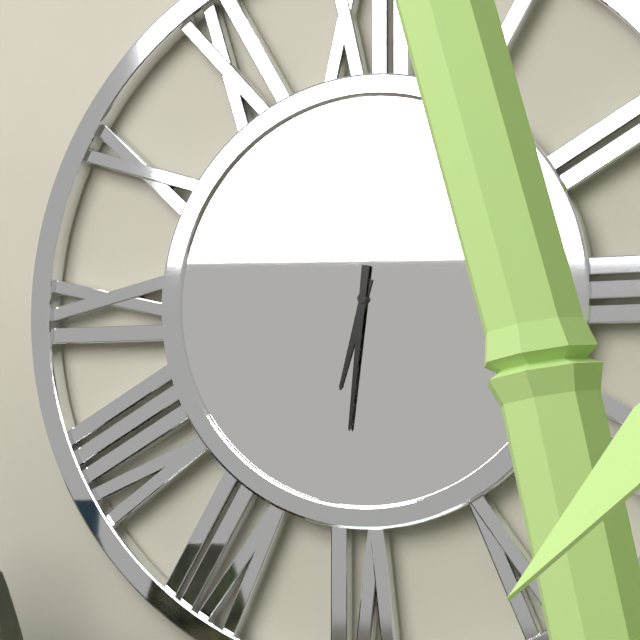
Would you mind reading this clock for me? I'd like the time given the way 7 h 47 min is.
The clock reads 6 h 31 min
